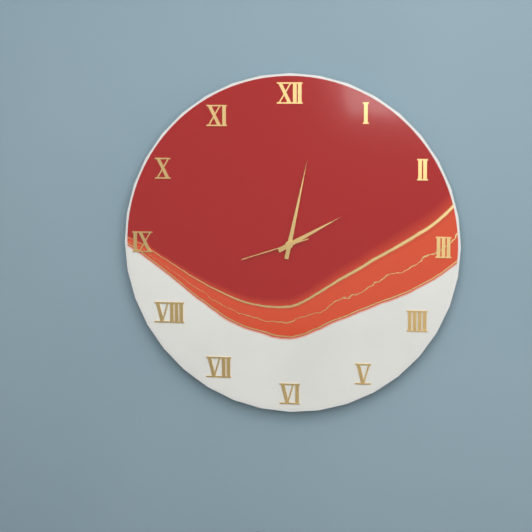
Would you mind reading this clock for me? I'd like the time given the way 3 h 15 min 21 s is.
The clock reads 2 h 02 min 42 s
